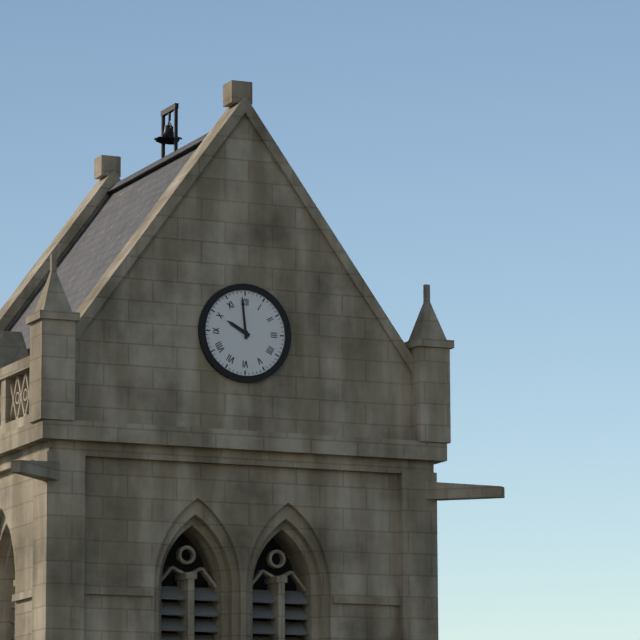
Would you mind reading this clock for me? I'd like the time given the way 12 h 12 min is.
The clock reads 9 h 59 min
